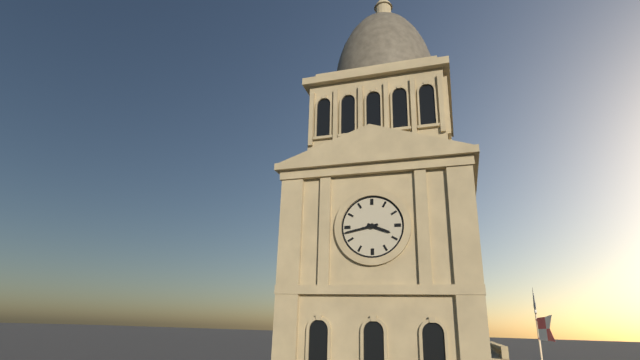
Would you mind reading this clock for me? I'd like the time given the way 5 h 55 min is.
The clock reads 3 h 43 min
